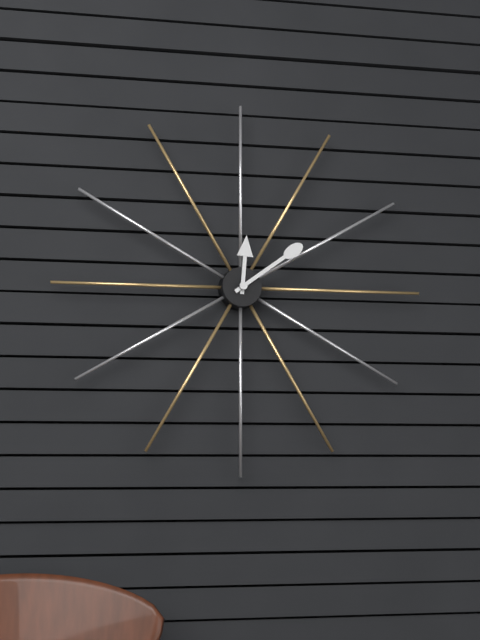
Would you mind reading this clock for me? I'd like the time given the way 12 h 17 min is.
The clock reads 12 h 09 min
